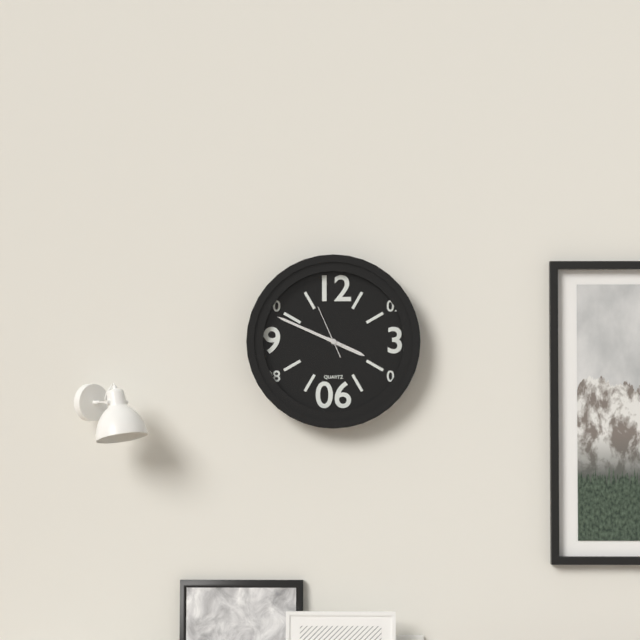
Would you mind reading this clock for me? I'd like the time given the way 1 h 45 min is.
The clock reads 3 h 49 min
